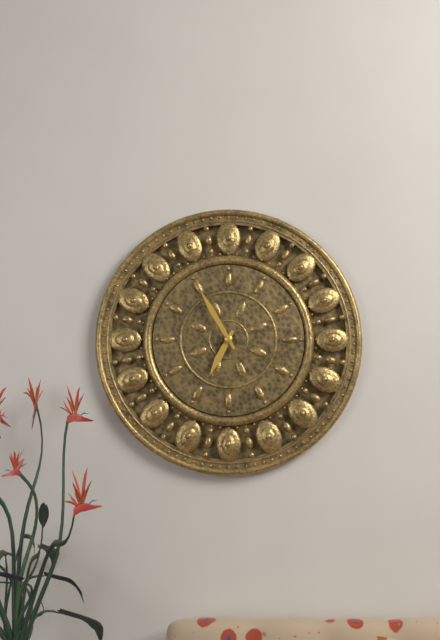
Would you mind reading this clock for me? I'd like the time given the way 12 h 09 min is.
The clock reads 6 h 55 min
